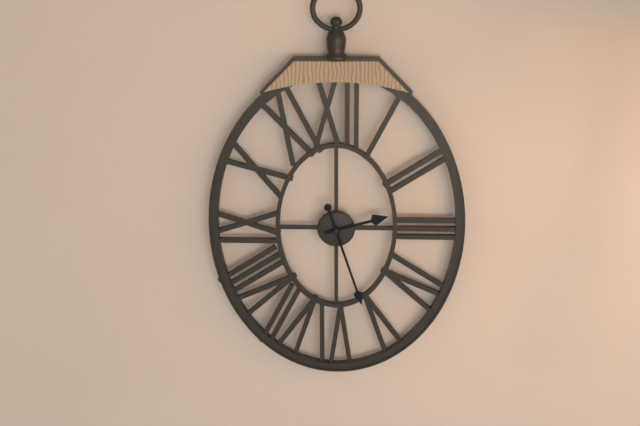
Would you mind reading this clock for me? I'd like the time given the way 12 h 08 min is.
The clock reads 2 h 27 min
